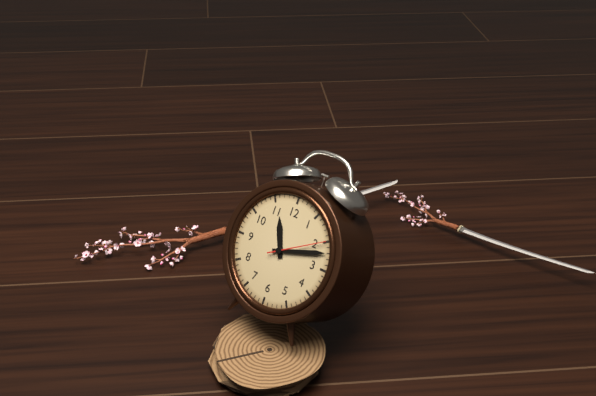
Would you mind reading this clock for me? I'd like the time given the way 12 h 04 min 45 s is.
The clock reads 11 h 12 min 10 s
